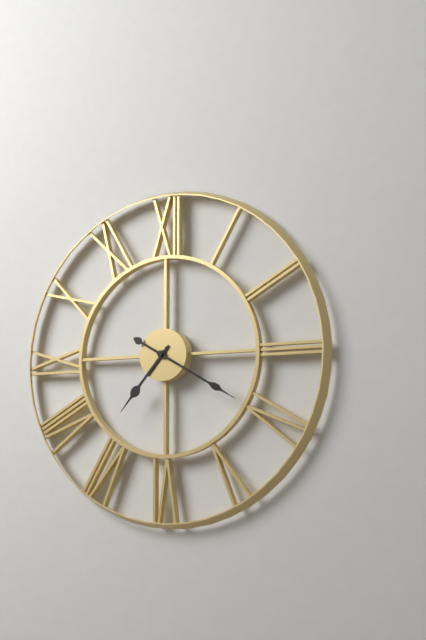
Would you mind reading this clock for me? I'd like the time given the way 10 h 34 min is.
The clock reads 7 h 20 min
